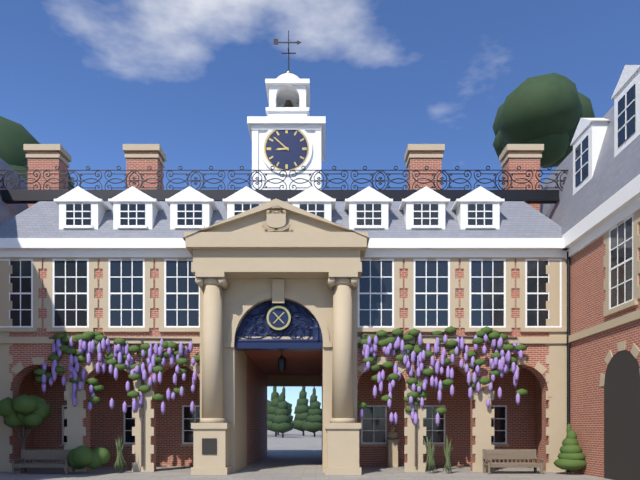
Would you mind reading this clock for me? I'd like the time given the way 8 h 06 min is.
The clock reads 8 h 52 min
